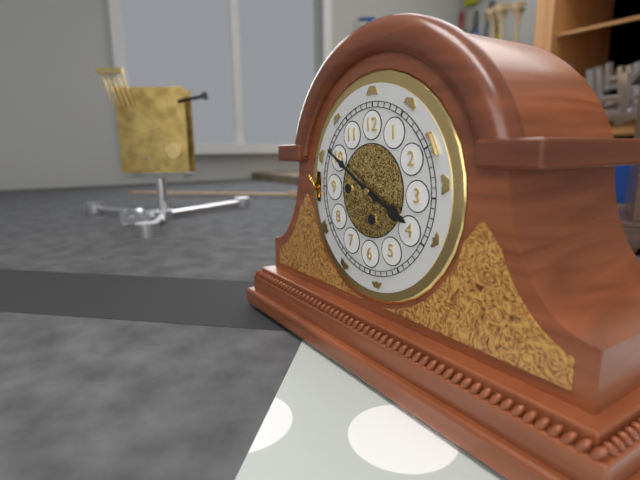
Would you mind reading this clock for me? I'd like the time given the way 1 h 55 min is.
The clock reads 3 h 50 min
